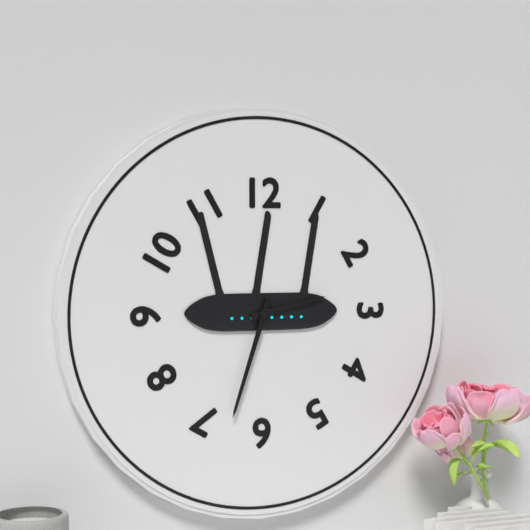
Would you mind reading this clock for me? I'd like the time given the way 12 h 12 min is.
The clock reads 2 h 33 min
